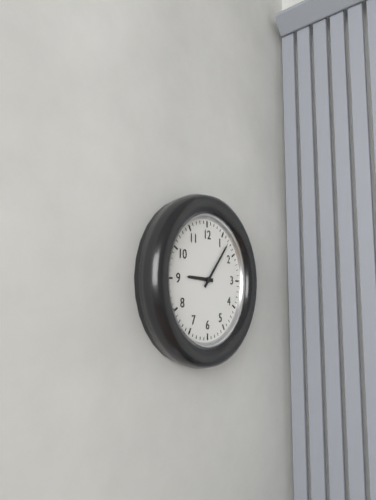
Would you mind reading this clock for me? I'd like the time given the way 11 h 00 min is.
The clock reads 9 h 07 min
